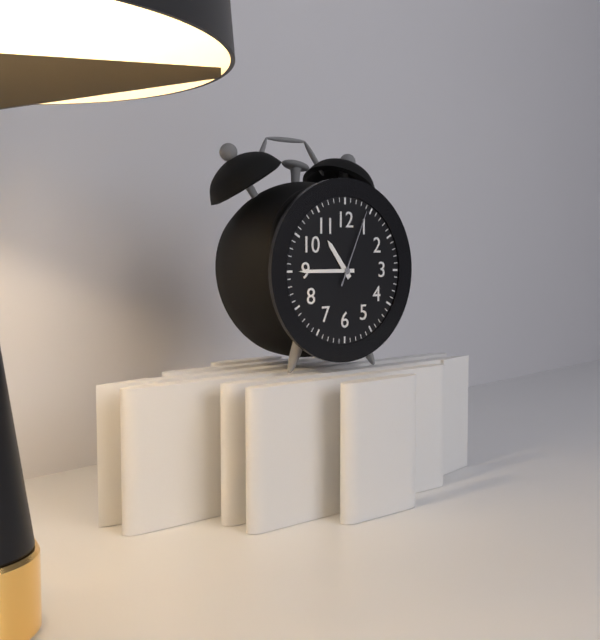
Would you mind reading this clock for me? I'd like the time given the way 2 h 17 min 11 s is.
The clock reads 10 h 45 min 04 s
